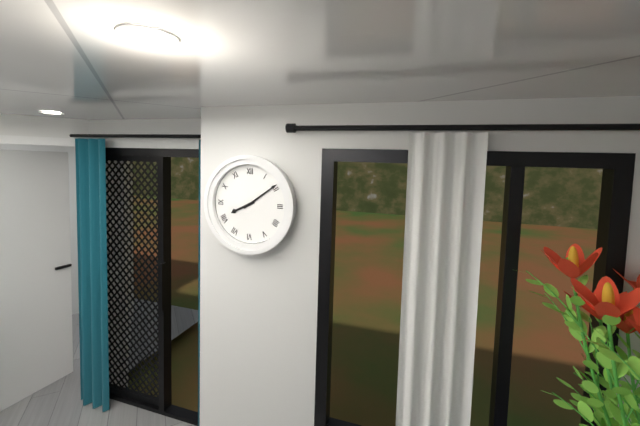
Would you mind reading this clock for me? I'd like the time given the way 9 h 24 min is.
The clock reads 8 h 09 min
